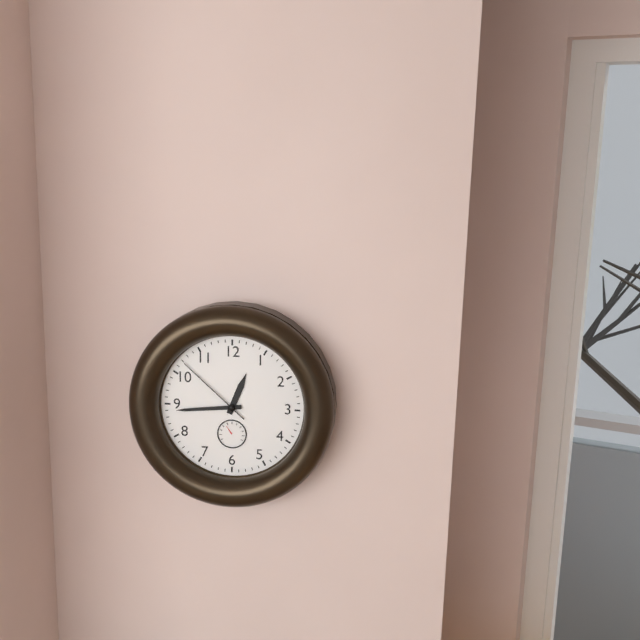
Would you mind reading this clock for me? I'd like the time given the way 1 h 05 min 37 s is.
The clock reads 12 h 44 min 52 s
